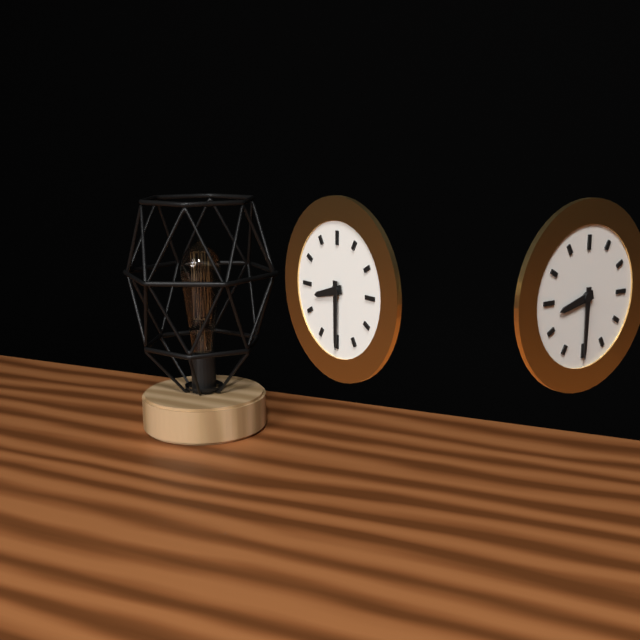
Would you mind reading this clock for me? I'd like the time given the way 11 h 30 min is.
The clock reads 8 h 30 min
